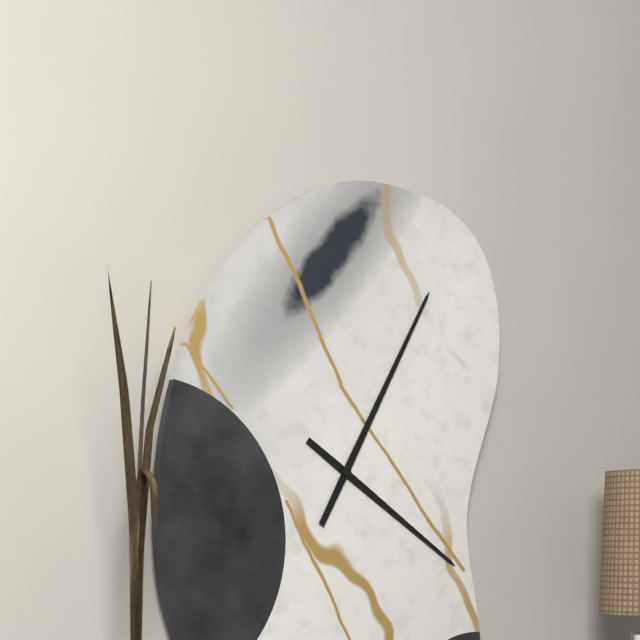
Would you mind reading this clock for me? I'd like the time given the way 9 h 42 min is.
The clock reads 4 h 05 min
